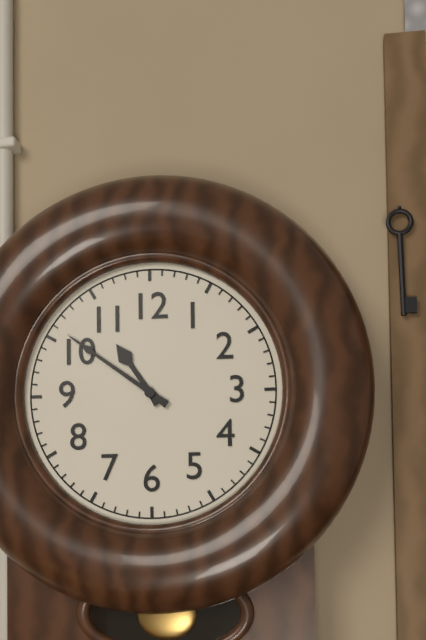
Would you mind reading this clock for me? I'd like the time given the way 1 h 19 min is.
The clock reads 10 h 51 min
